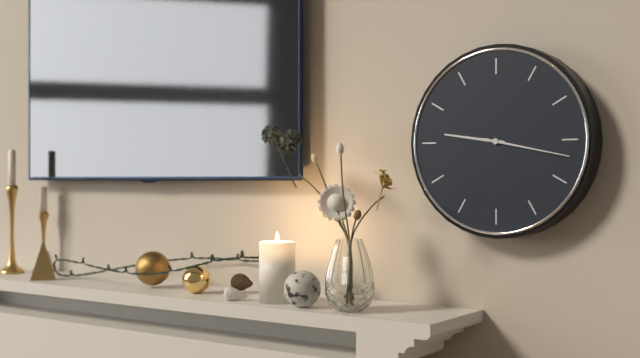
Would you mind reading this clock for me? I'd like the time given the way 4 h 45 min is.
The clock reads 9 h 17 min
